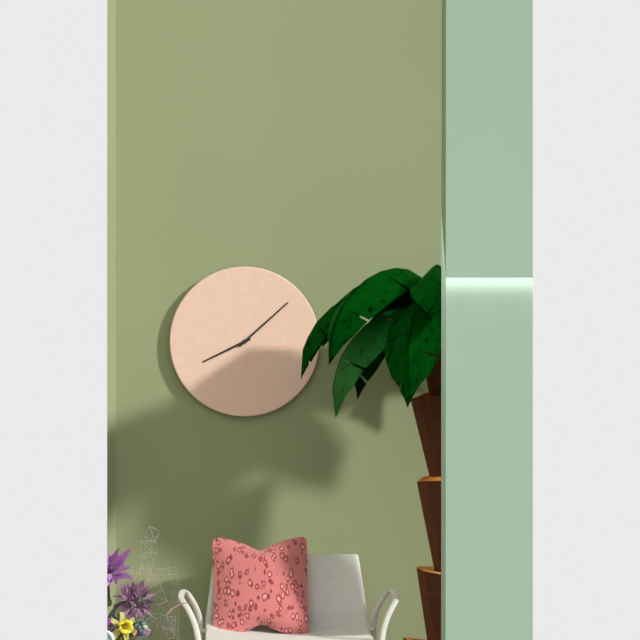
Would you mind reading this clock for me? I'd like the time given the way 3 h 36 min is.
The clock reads 8 h 08 min
